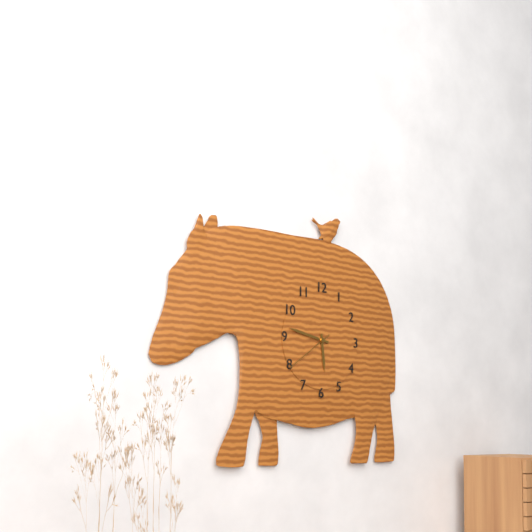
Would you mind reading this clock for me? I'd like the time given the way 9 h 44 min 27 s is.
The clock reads 5 h 47 min 39 s
